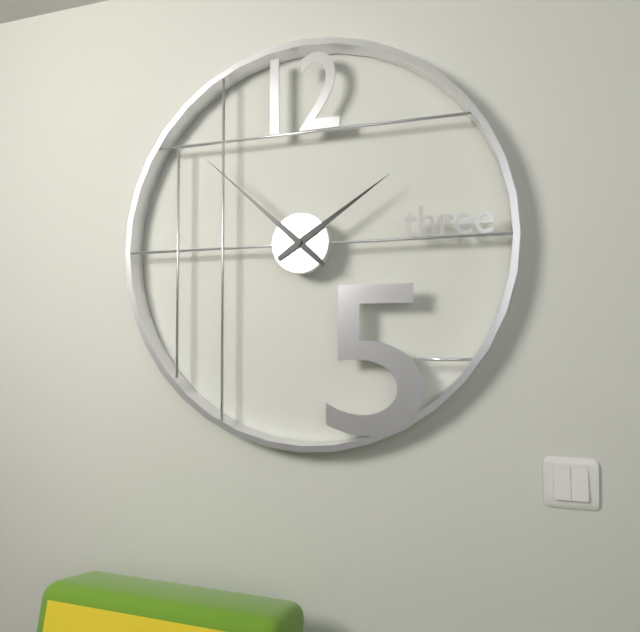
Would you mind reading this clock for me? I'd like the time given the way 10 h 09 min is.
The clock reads 1 h 52 min
